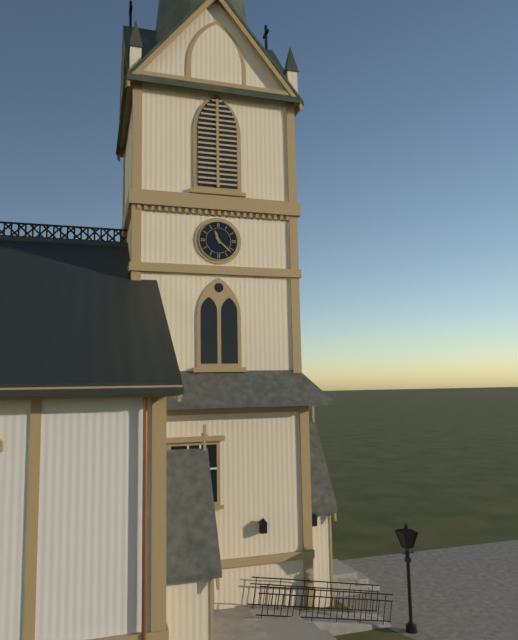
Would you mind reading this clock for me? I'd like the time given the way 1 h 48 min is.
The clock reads 11 h 22 min
